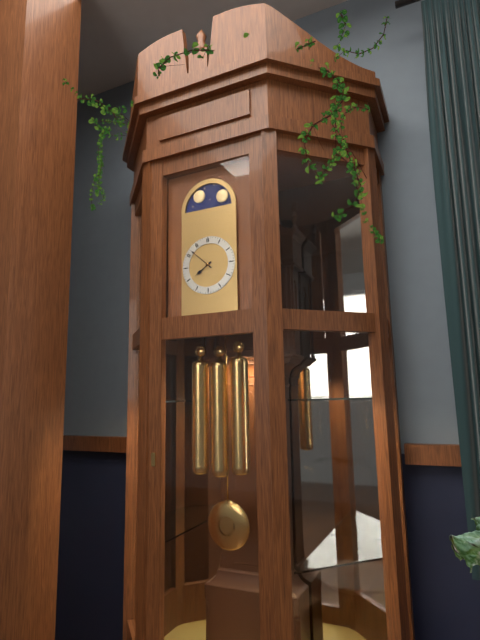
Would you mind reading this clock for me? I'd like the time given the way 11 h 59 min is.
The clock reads 7 h 52 min
